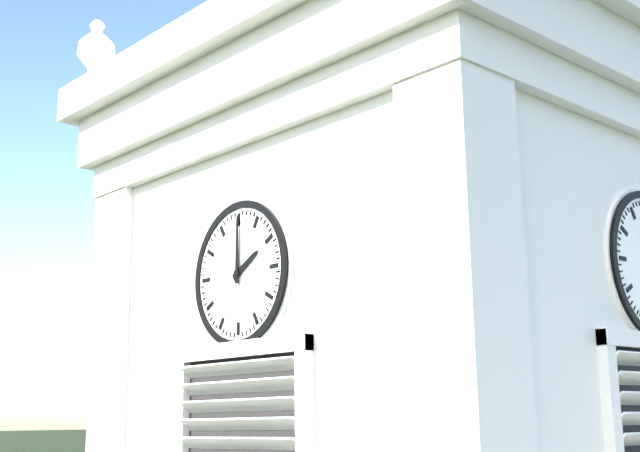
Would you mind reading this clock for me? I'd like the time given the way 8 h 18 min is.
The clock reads 2 h 00 min
